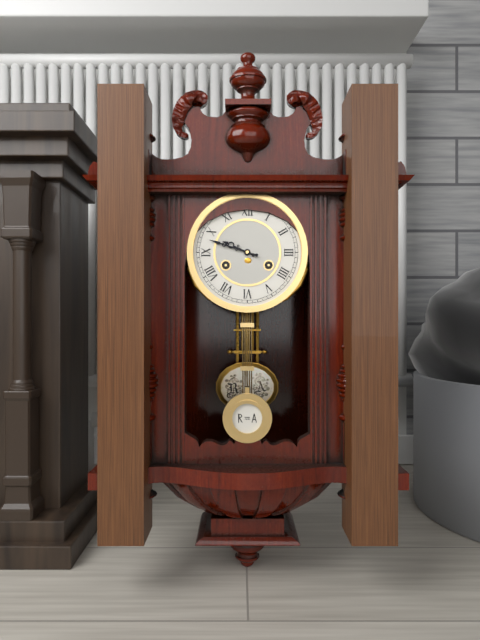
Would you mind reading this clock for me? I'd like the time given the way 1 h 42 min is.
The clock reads 9 h 48 min
